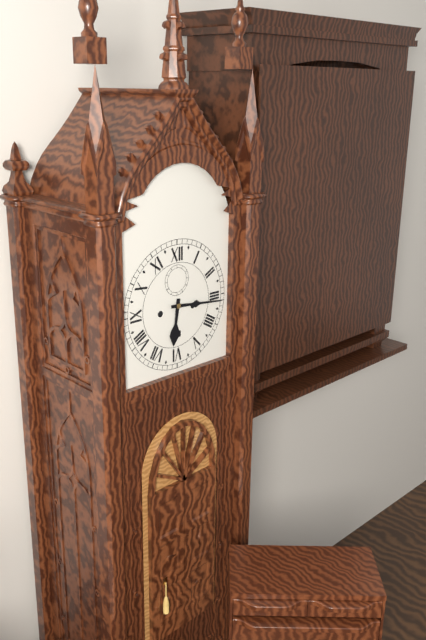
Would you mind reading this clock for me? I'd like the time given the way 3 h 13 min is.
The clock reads 6 h 16 min
